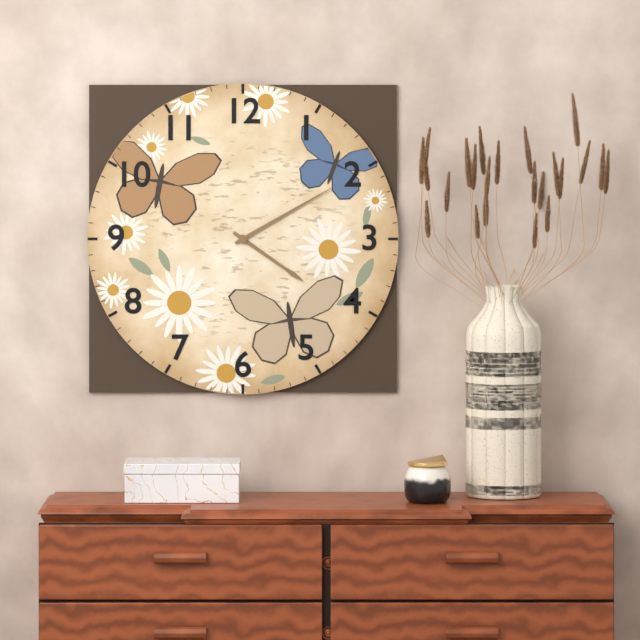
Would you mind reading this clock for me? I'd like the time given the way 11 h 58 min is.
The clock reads 4 h 10 min
